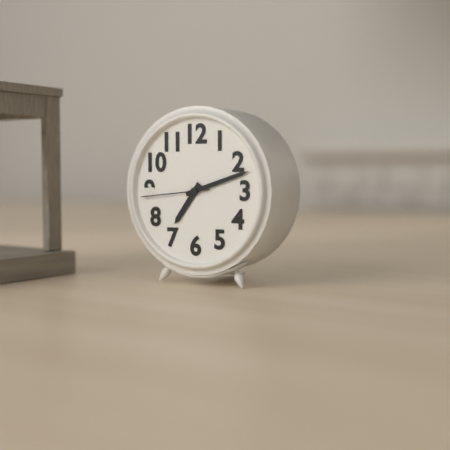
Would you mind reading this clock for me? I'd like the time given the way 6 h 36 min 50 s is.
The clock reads 7 h 12 min 44 s
